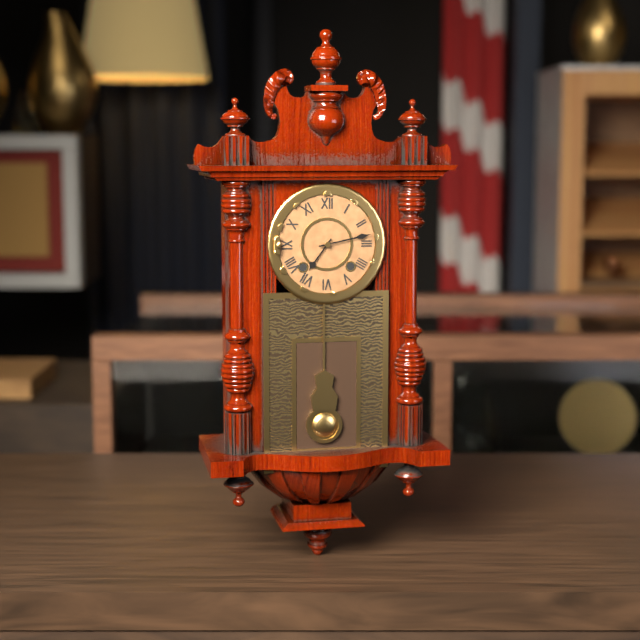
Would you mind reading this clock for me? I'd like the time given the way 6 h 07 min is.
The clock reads 7 h 13 min
